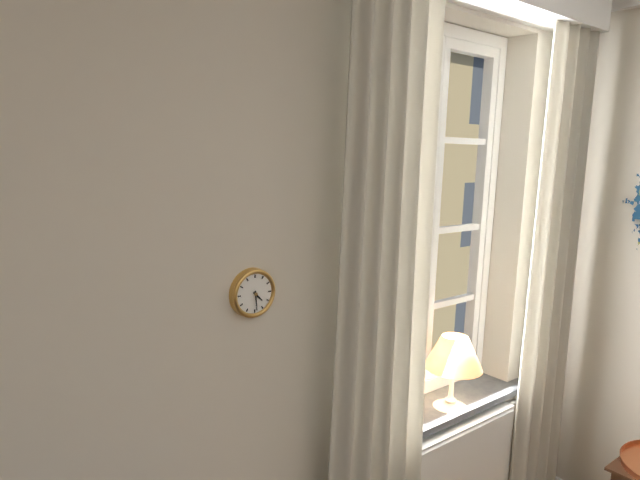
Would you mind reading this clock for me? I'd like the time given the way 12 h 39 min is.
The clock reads 4 h 29 min
